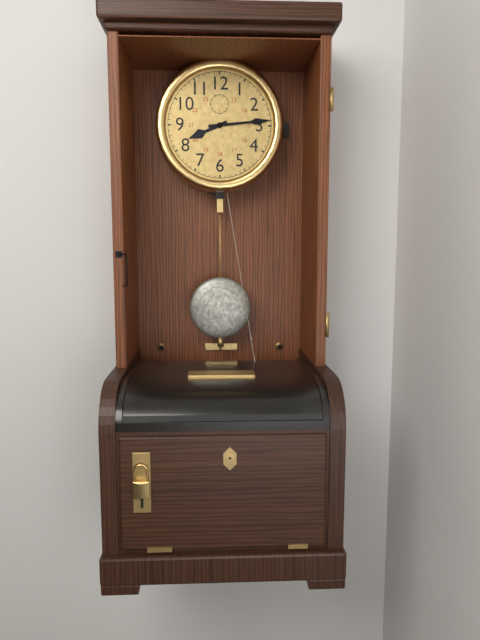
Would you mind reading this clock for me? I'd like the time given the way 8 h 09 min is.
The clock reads 8 h 14 min
